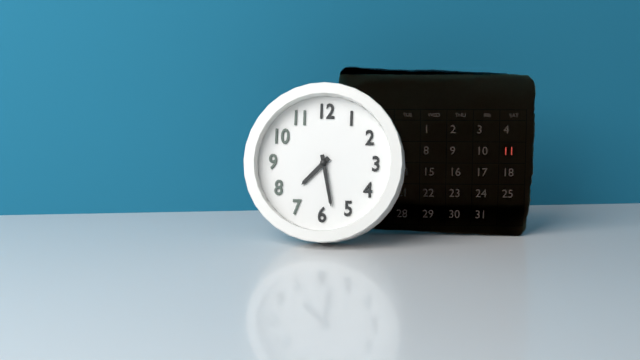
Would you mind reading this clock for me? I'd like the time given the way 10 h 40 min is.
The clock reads 7 h 28 min
